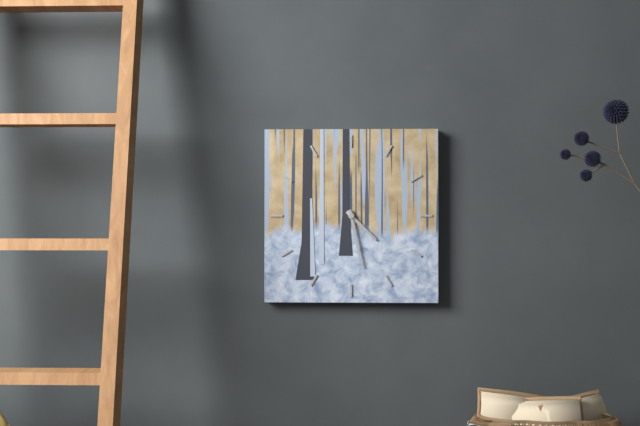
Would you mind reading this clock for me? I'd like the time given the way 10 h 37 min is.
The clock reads 4 h 28 min
